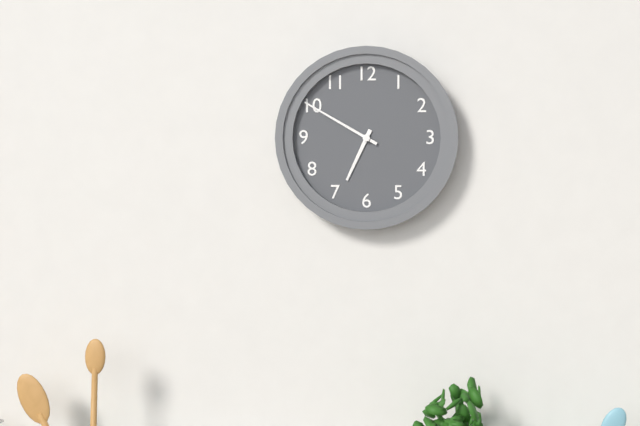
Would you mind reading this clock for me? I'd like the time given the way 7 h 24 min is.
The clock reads 6 h 50 min
